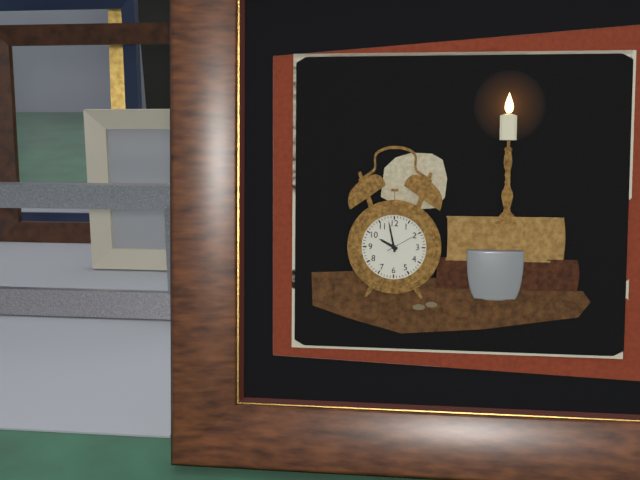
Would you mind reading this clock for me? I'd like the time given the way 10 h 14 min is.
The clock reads 9 h 58 min
